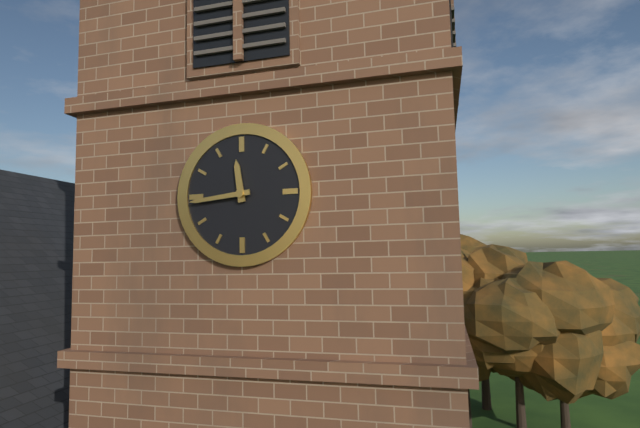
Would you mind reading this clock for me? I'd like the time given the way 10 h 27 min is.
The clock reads 11 h 44 min
